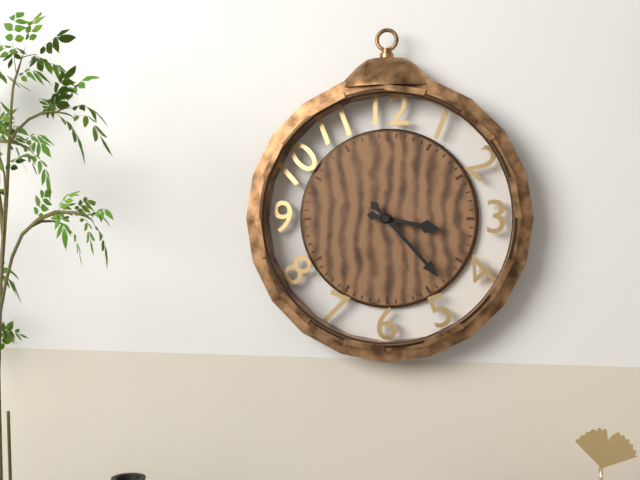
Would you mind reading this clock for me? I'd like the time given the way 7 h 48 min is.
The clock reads 3 h 23 min
